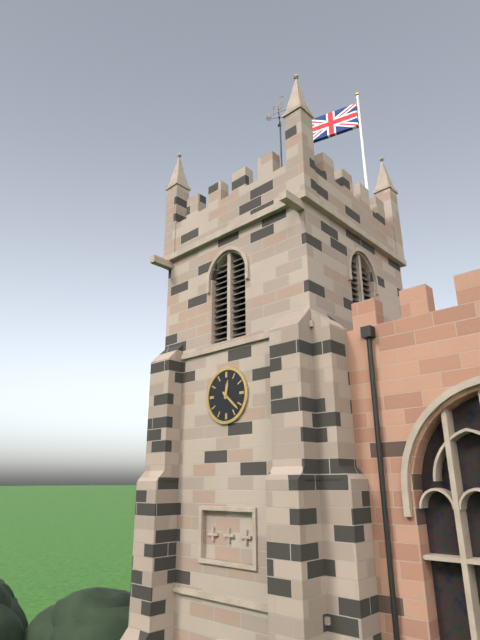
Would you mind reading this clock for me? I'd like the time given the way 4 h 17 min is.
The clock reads 12 h 22 min
